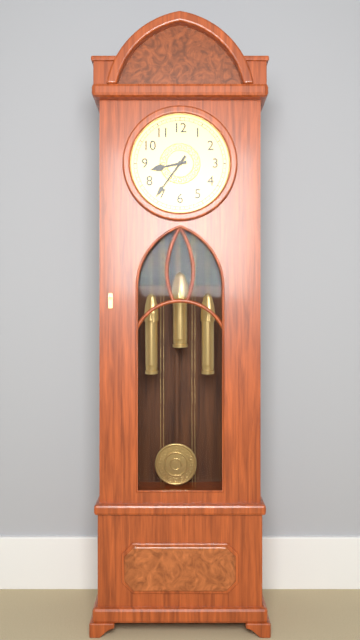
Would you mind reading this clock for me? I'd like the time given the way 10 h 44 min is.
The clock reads 8 h 36 min
